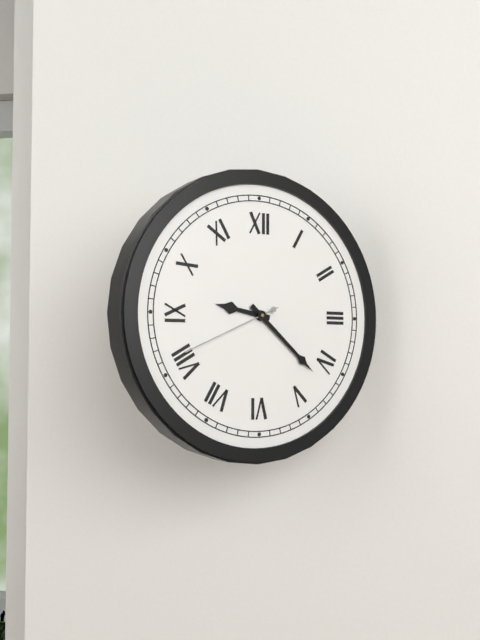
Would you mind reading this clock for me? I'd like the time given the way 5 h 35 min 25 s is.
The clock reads 9 h 22 min 41 s
